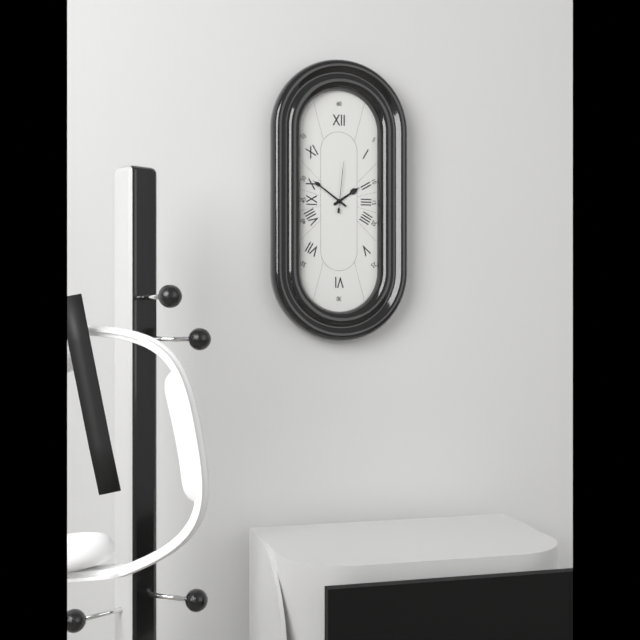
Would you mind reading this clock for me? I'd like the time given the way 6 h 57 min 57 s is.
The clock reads 1 h 51 min 01 s
